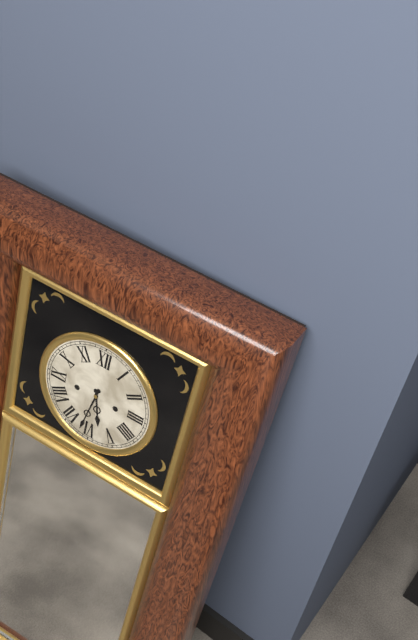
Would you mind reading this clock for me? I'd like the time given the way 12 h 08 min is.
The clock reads 5 h 32 min
